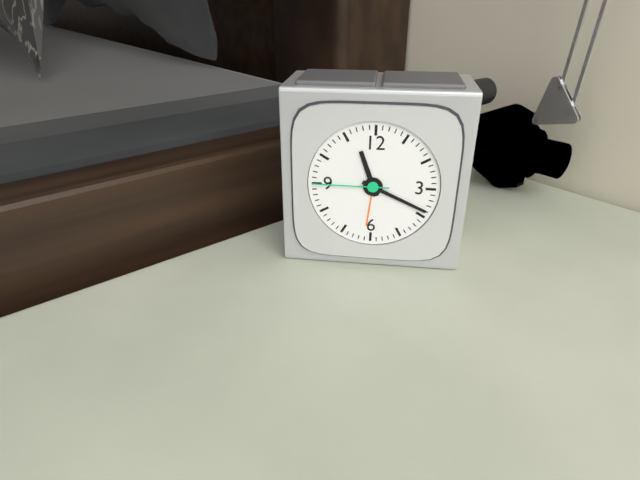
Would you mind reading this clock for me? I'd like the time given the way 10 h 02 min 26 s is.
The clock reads 11 h 19 min 45 s
